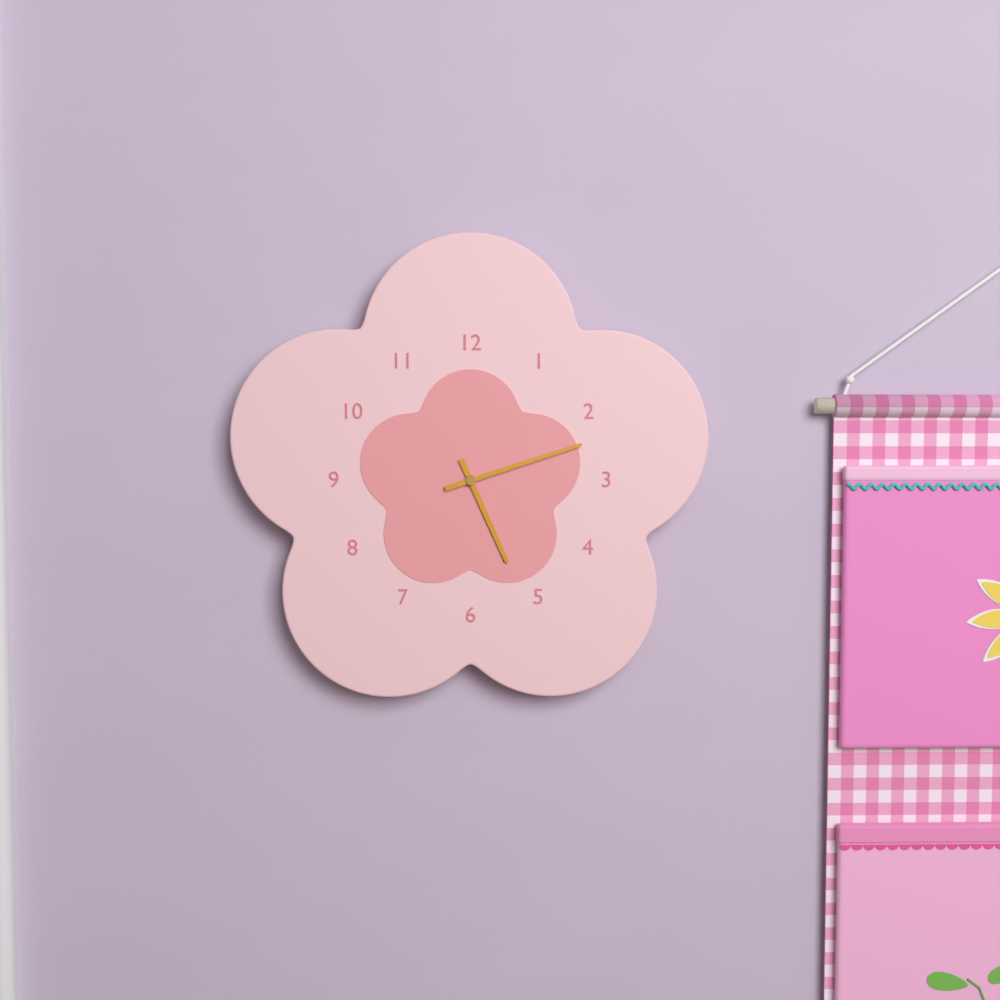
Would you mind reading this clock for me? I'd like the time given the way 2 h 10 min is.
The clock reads 5 h 12 min
